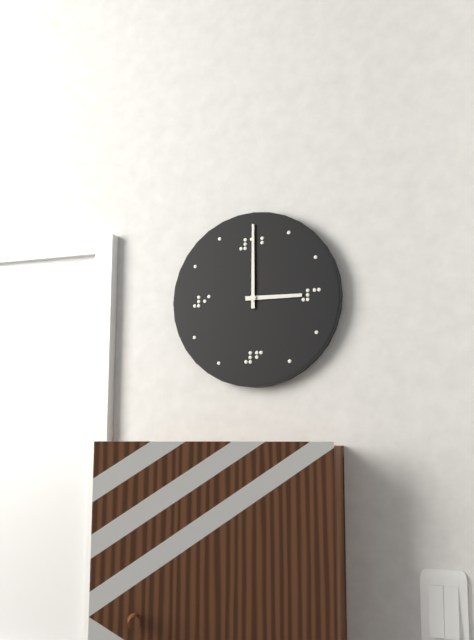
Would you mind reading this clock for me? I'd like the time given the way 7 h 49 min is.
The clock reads 3 h 00 min
